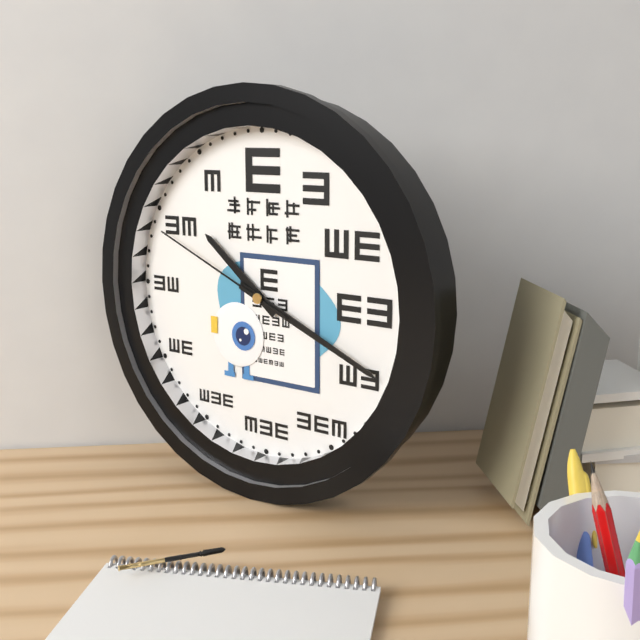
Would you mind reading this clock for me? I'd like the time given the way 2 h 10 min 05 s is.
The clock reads 10 h 19 min 49 s
